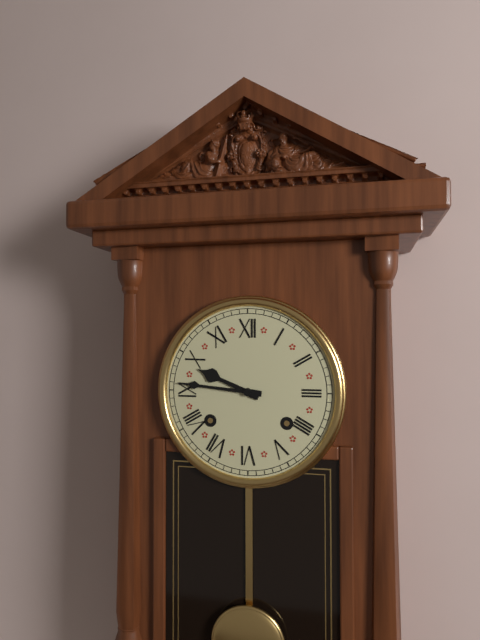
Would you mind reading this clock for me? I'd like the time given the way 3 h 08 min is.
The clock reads 9 h 46 min
